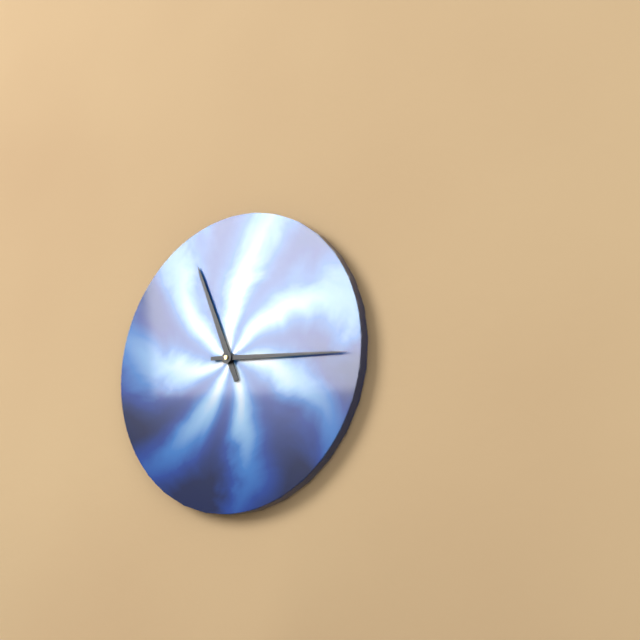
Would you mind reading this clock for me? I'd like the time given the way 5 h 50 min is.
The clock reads 11 h 16 min
